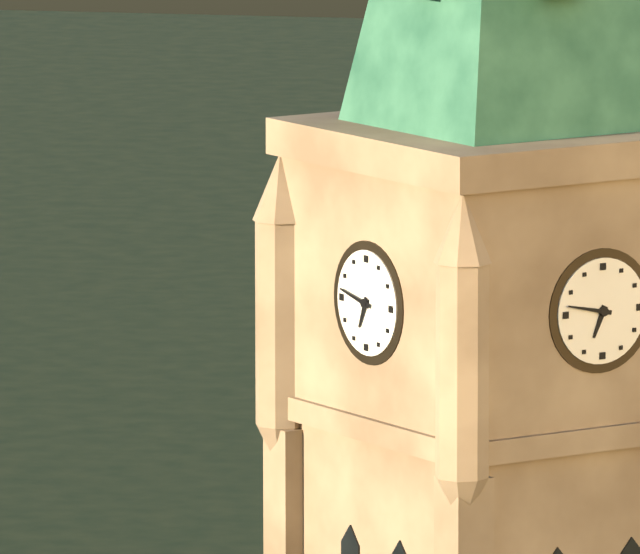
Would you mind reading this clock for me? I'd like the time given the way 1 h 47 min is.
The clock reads 6 h 47 min
